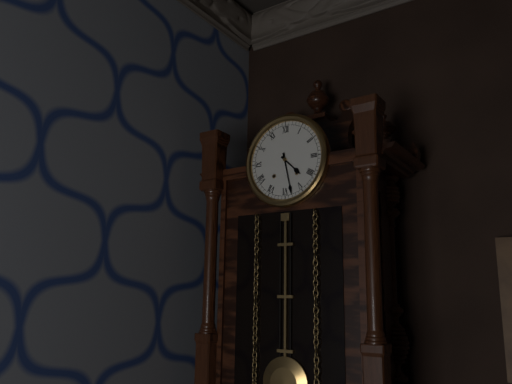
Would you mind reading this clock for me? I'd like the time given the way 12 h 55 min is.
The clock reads 4 h 28 min
